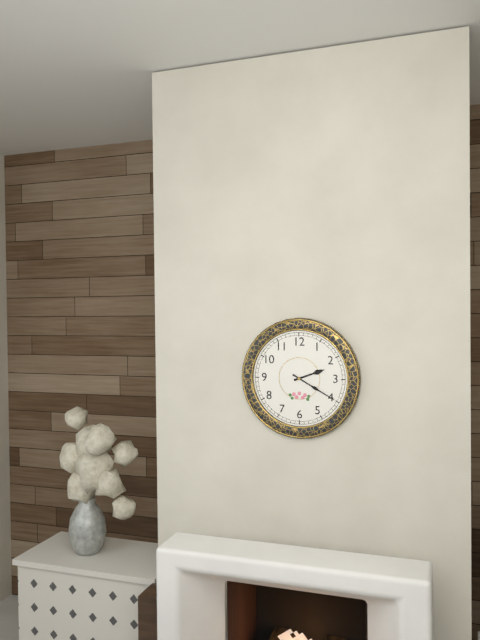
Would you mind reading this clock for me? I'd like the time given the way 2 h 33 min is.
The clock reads 2 h 20 min
